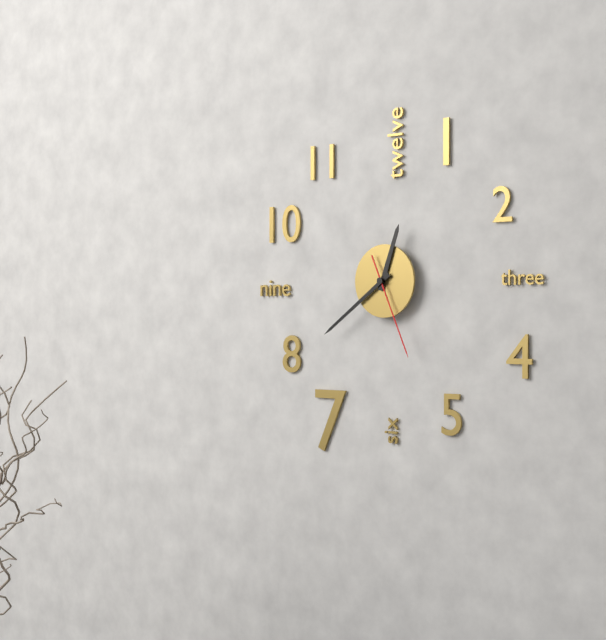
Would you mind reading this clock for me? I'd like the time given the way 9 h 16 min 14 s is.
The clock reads 12 h 39 min 26 s
